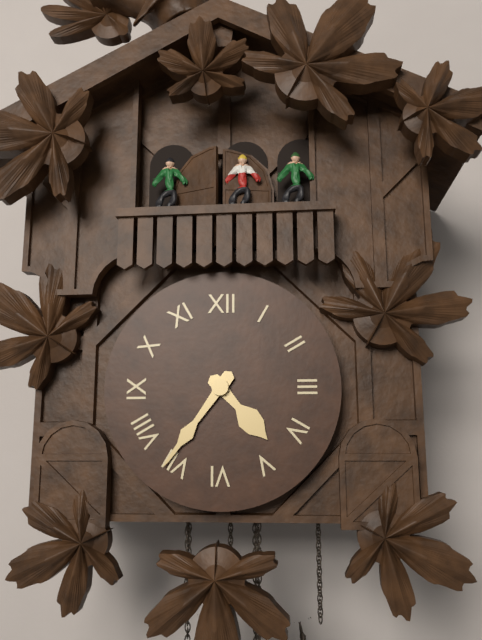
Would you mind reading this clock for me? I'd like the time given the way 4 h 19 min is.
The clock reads 4 h 36 min
